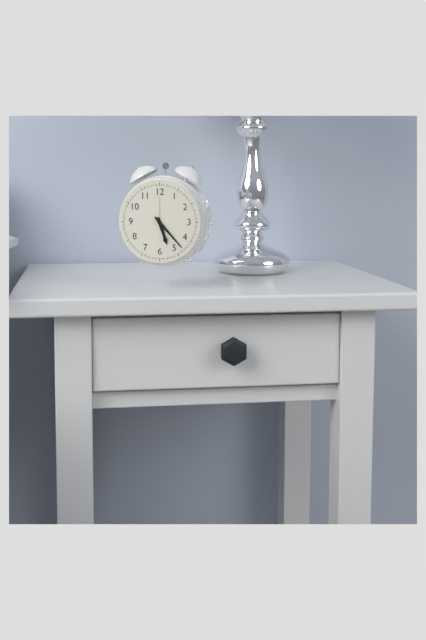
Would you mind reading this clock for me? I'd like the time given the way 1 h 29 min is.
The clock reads 5 h 23 min
